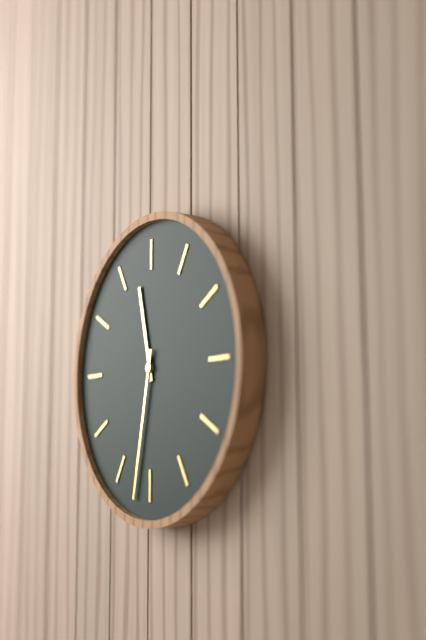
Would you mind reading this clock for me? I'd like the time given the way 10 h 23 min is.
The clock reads 11 h 32 min
